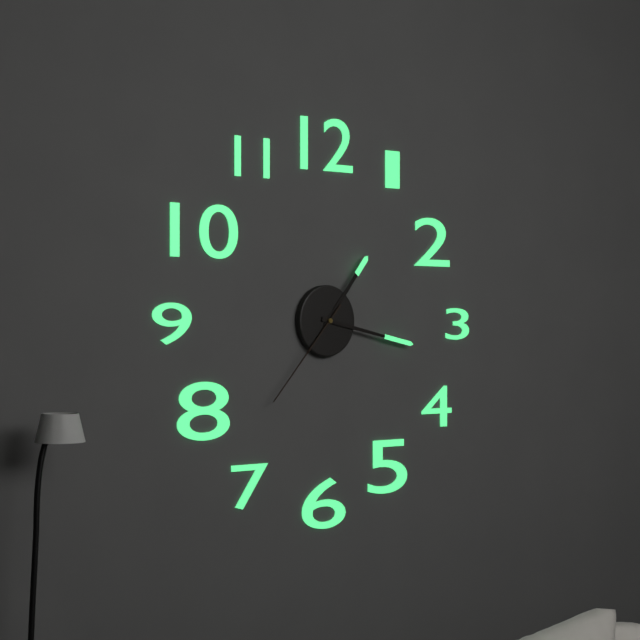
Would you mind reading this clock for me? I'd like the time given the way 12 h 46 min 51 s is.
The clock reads 1 h 17 min 37 s
